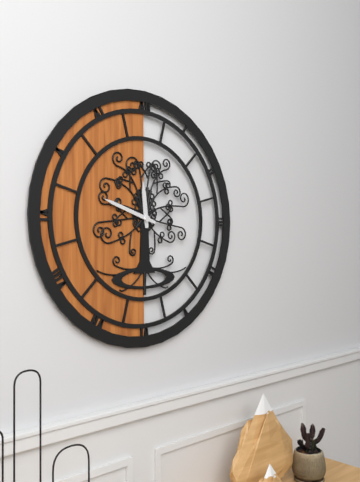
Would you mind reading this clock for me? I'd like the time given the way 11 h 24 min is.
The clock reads 11 h 48 min
